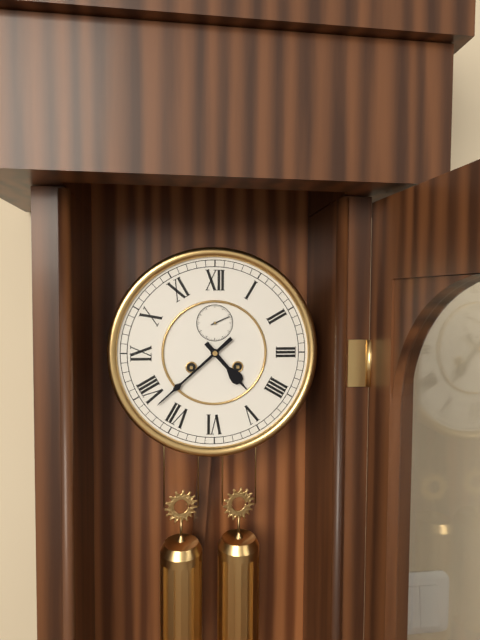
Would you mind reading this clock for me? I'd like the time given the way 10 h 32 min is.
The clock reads 4 h 38 min
